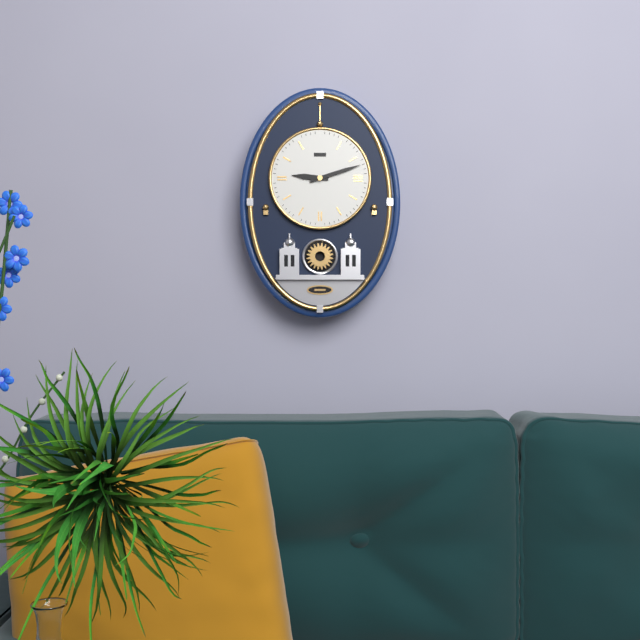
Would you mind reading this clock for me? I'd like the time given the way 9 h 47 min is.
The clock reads 9 h 12 min
